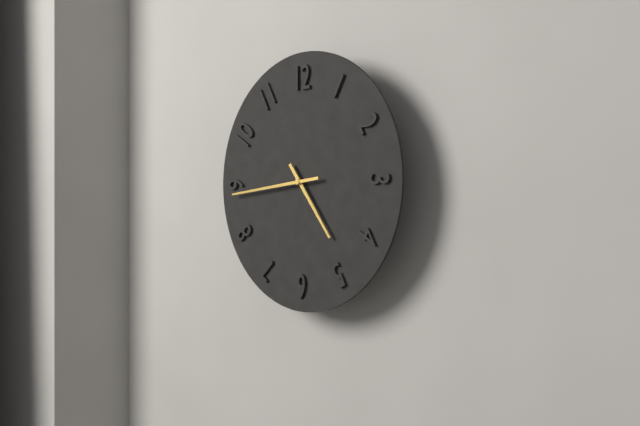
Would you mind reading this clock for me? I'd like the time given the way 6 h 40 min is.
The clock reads 4 h 44 min
